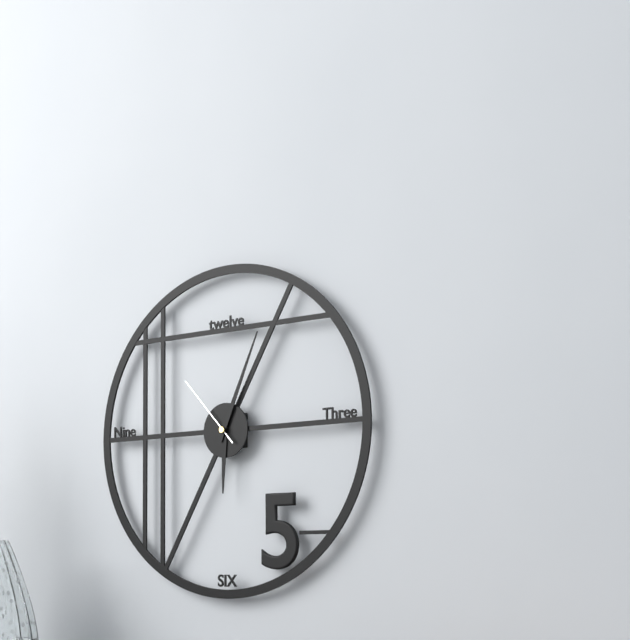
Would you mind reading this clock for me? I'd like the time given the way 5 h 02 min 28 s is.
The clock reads 6 h 04 min 53 s
